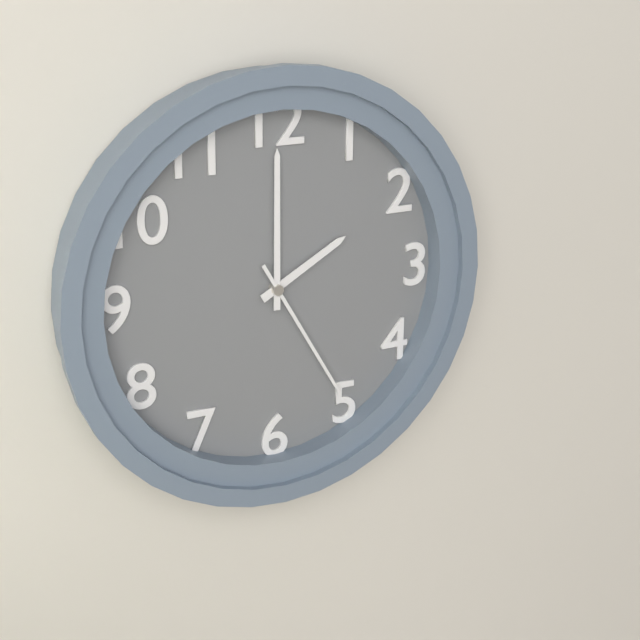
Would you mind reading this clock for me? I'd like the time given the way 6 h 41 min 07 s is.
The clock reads 2 h 00 min 25 s
